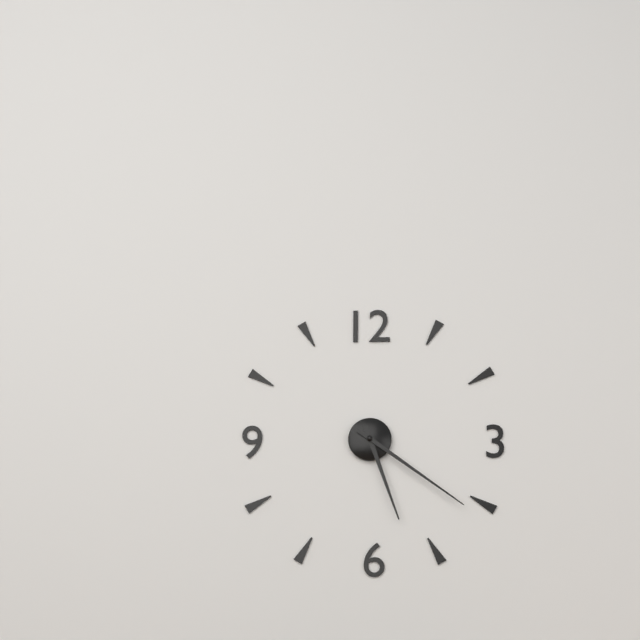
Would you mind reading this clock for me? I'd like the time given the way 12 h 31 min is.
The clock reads 5 h 21 min
